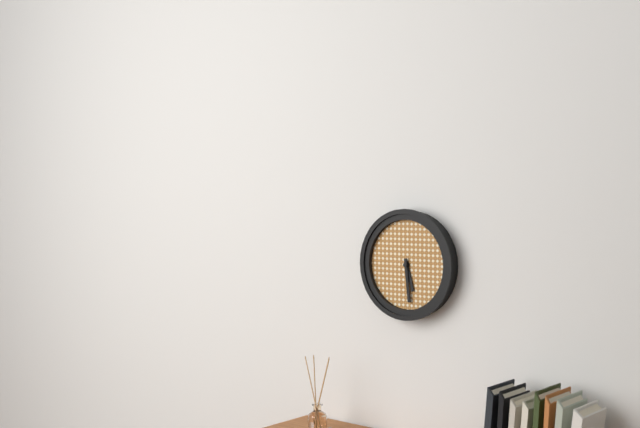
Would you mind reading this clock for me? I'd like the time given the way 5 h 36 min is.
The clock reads 5 h 29 min
